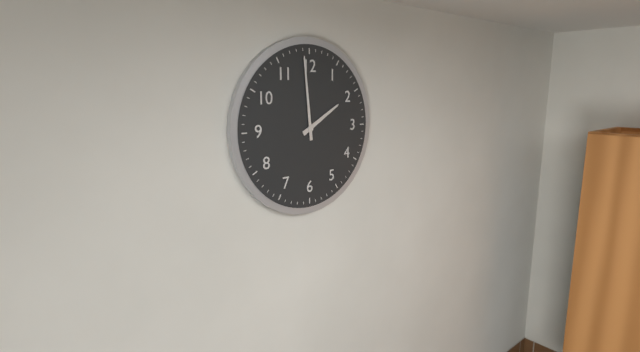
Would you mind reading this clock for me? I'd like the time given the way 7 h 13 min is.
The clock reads 1 h 59 min
